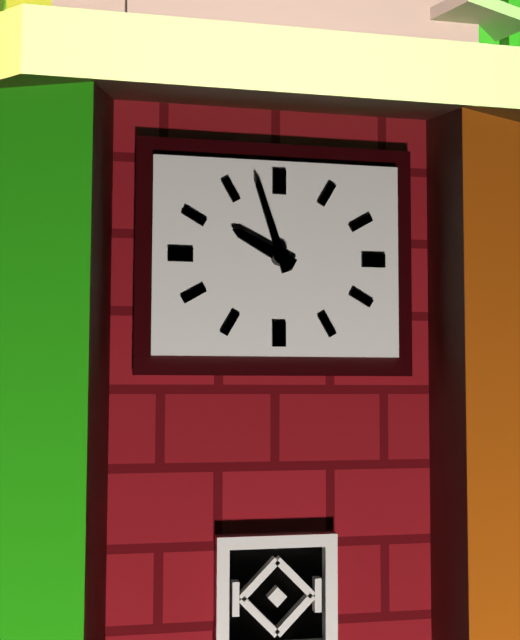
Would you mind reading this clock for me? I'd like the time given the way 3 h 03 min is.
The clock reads 9 h 57 min
